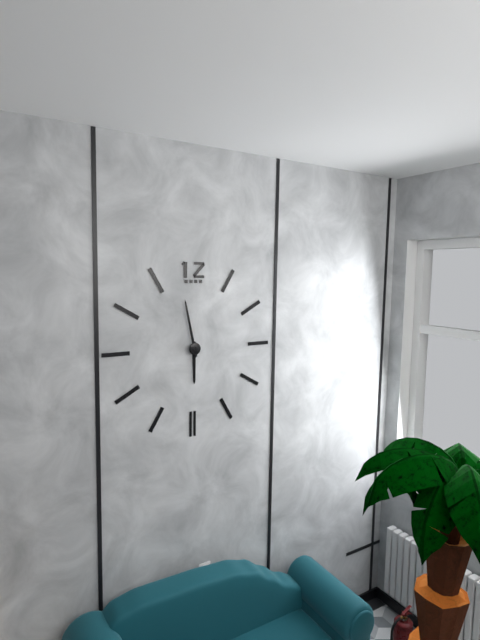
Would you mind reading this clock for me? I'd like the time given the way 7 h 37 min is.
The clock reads 5 h 58 min
